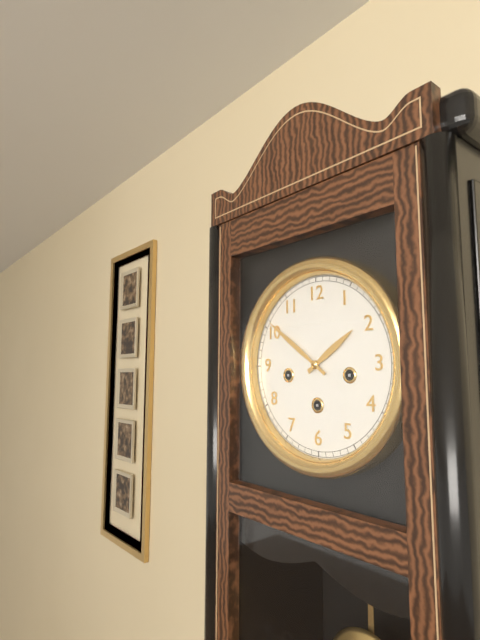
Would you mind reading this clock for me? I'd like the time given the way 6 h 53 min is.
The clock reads 1 h 51 min
